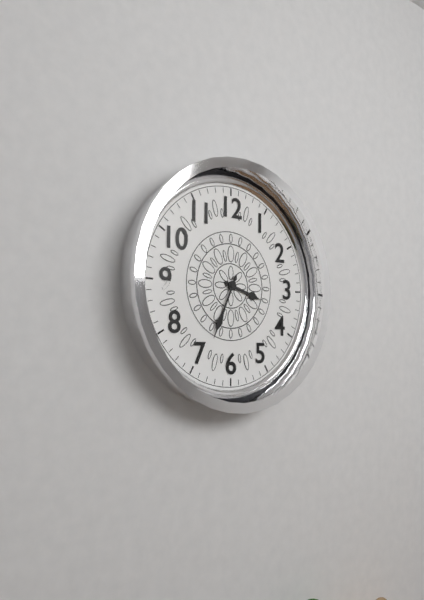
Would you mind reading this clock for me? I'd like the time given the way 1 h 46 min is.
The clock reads 3 h 34 min
